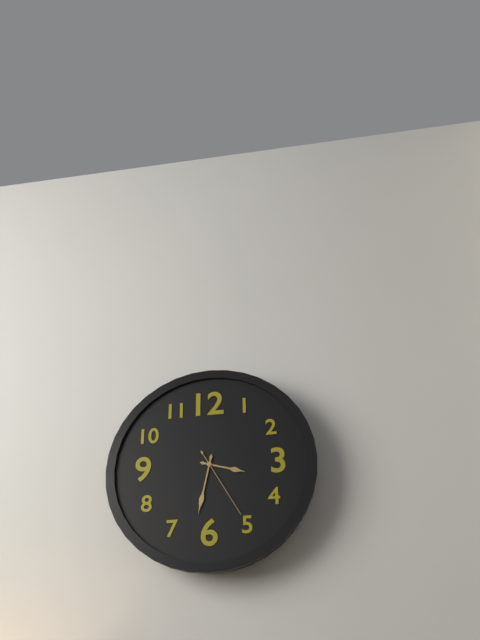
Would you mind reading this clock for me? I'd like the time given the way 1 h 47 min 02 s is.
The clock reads 3 h 32 min 25 s
